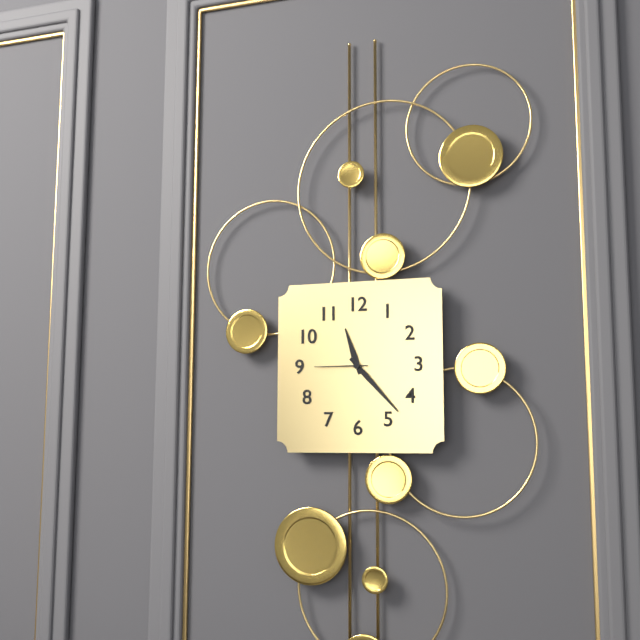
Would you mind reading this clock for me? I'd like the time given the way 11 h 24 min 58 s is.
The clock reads 11 h 23 min 45 s
